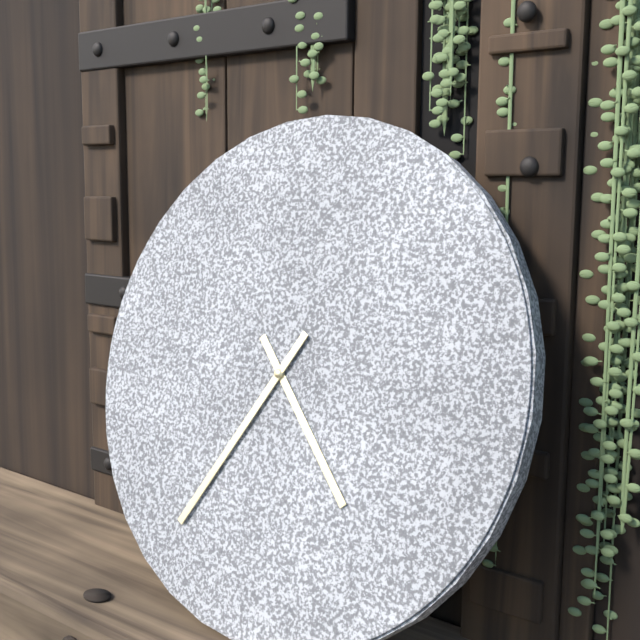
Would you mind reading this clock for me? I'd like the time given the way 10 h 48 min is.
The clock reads 4 h 35 min
